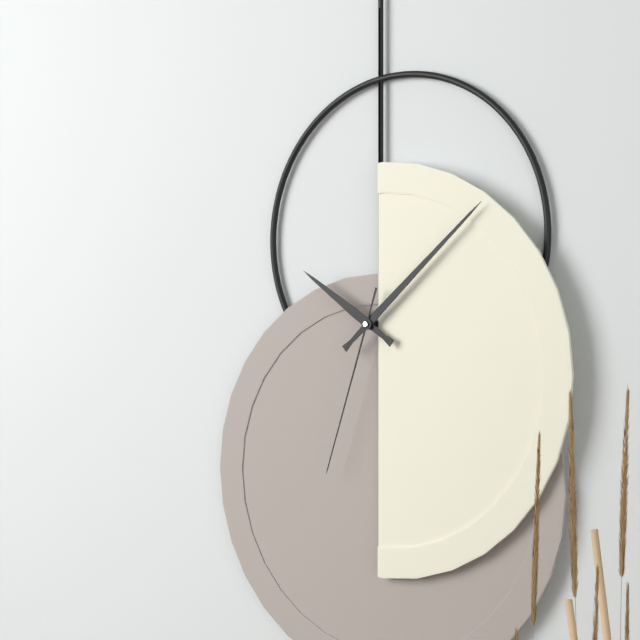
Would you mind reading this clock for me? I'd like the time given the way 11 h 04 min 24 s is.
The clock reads 10 h 08 min 33 s
